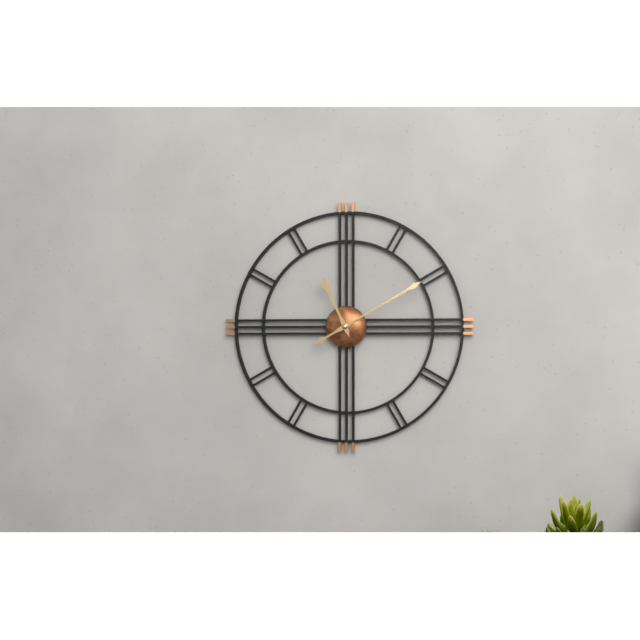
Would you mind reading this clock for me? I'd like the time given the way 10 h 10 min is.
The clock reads 11 h 10 min
